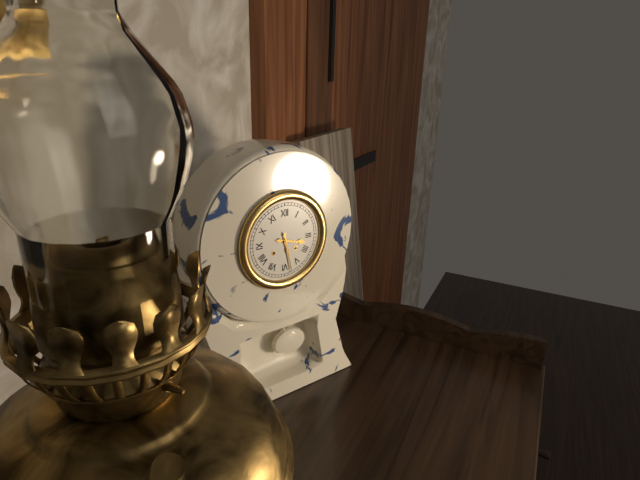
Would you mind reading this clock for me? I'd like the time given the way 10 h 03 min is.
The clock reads 3 h 28 min
